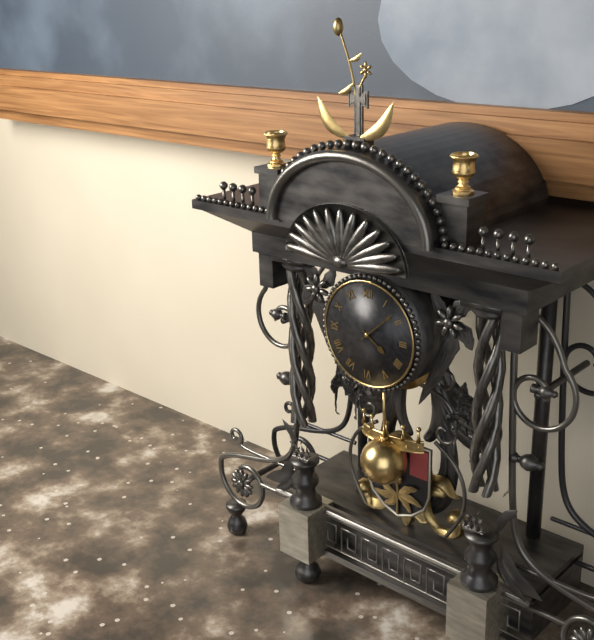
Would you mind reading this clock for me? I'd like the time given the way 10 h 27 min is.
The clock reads 4 h 08 min
